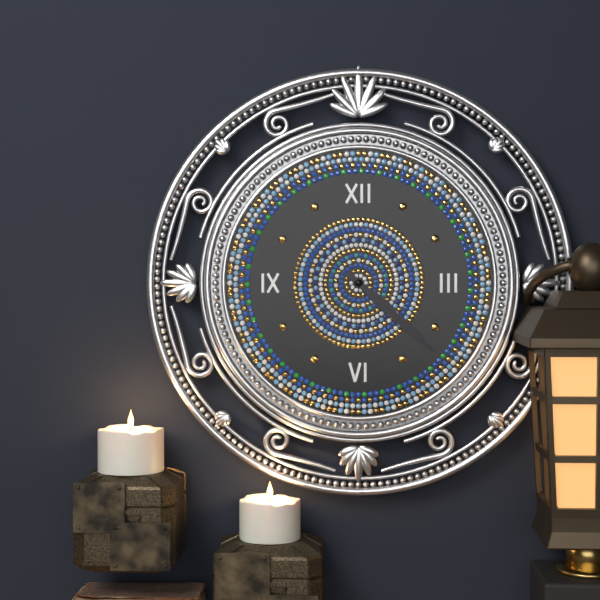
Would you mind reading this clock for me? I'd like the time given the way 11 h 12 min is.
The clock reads 4 h 22 min
